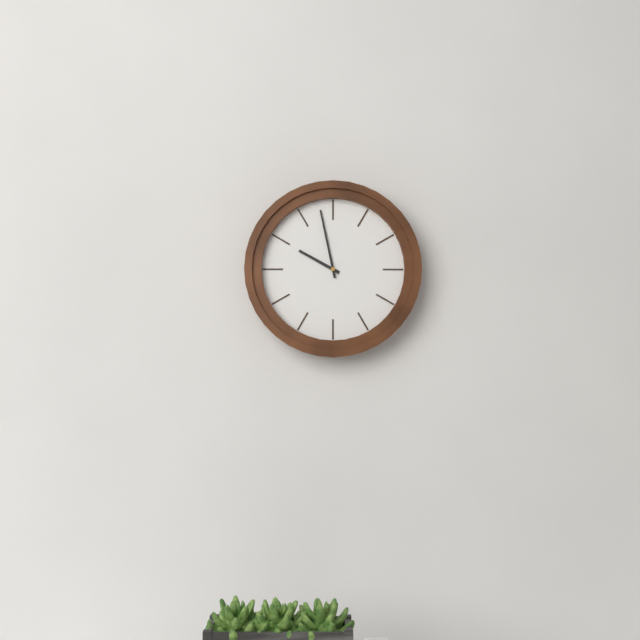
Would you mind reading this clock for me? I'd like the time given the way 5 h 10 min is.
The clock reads 9 h 58 min
